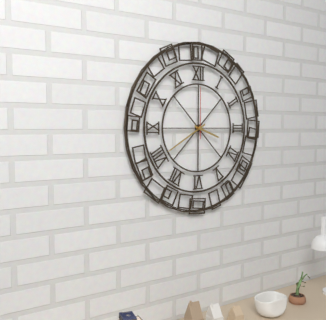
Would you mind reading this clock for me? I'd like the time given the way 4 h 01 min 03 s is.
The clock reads 3 h 40 min 00 s
